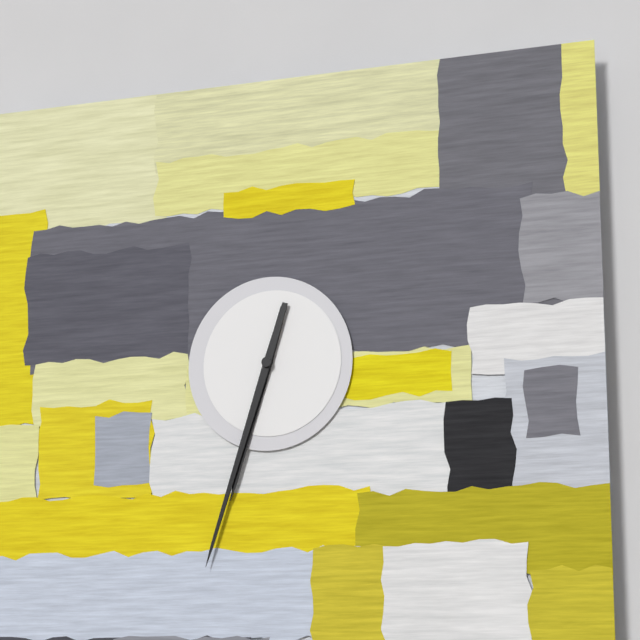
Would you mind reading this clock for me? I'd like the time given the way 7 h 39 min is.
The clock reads 6 h 33 min
